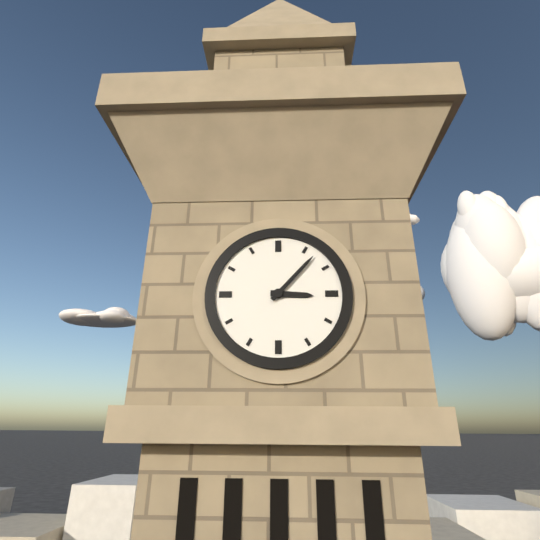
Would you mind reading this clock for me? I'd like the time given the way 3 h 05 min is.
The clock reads 3 h 07 min
